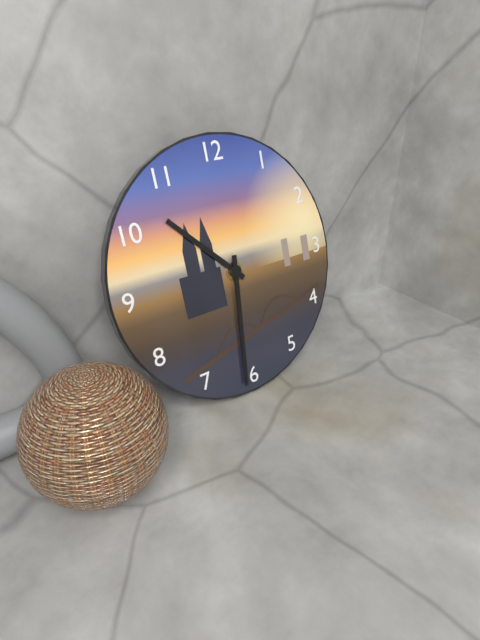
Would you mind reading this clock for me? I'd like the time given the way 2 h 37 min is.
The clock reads 10 h 31 min
